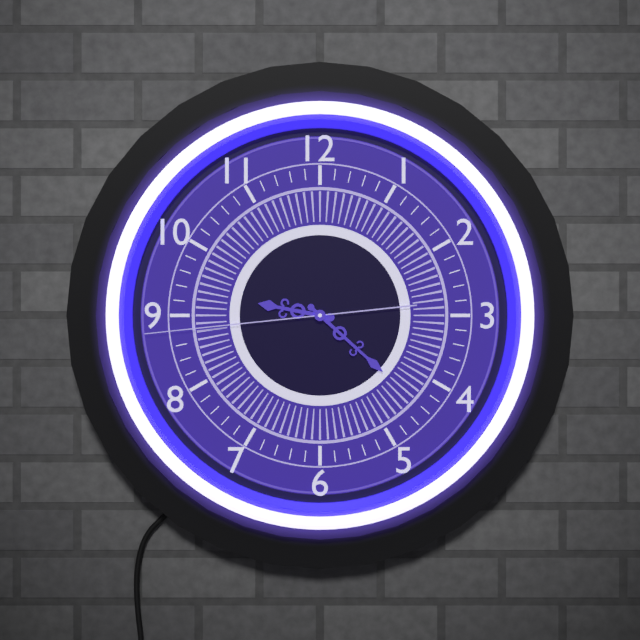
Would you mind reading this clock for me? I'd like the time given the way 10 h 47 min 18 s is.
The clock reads 9 h 22 min 44 s
